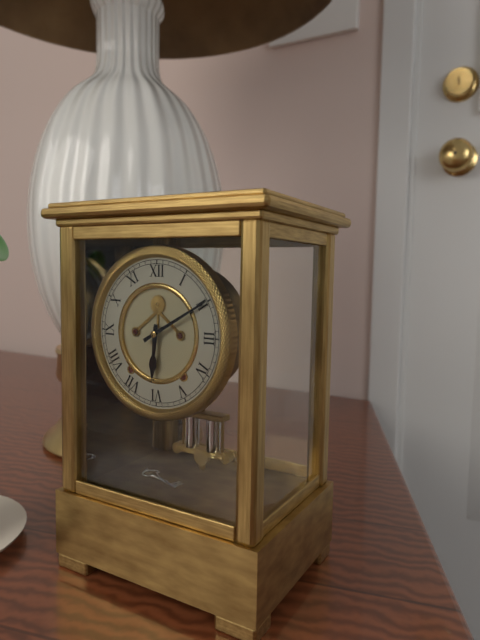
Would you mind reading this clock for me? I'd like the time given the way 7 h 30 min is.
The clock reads 6 h 10 min
